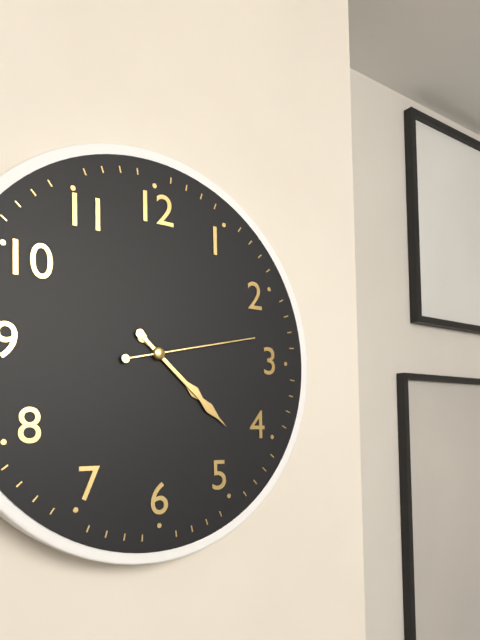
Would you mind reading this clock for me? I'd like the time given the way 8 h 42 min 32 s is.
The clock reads 4 h 22 min 13 s
